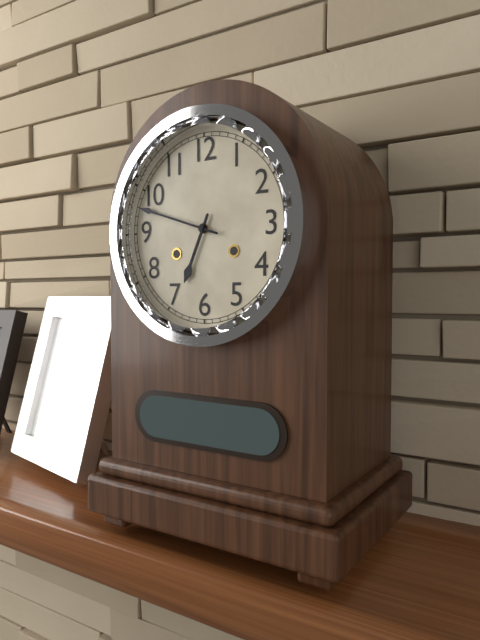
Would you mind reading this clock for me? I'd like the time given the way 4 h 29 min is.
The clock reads 6 h 48 min
